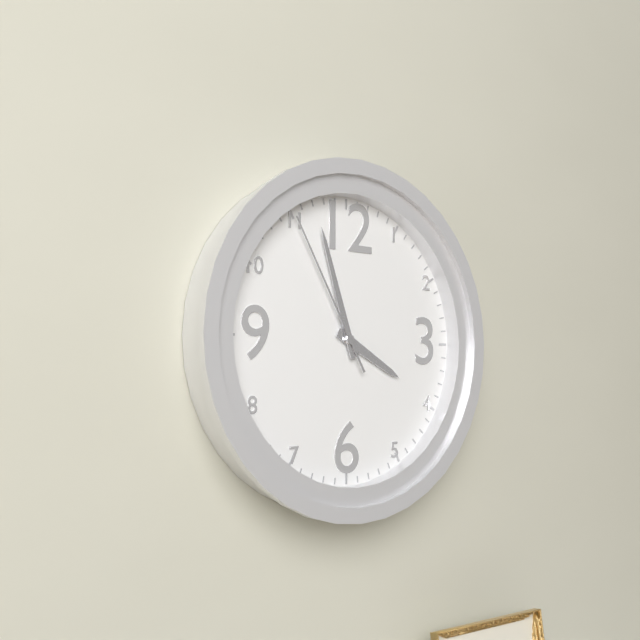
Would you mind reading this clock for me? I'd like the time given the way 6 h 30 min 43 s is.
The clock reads 3 h 57 min 55 s
